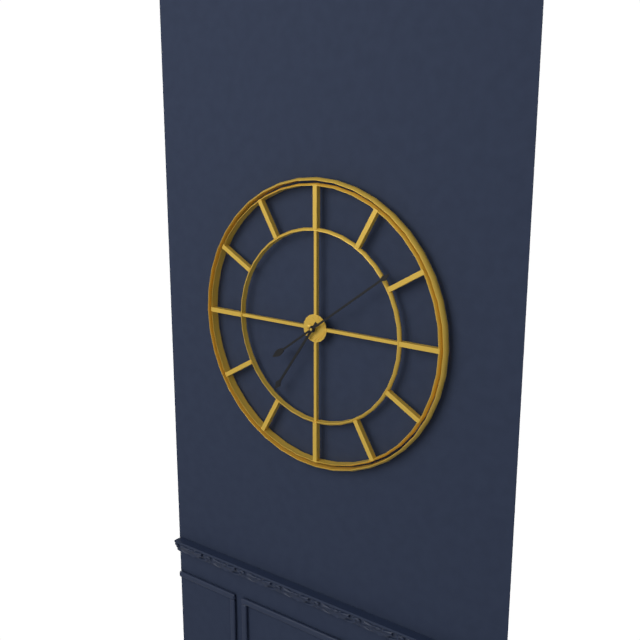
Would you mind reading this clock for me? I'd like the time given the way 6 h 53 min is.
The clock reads 7 h 09 min
